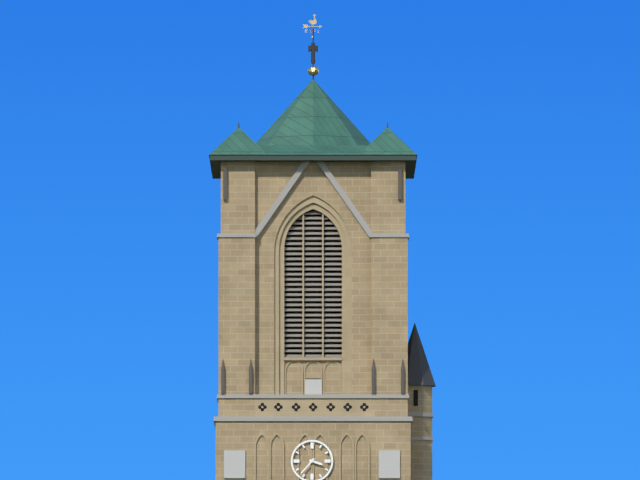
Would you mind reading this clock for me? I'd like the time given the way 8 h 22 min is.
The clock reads 3 h 37 min
